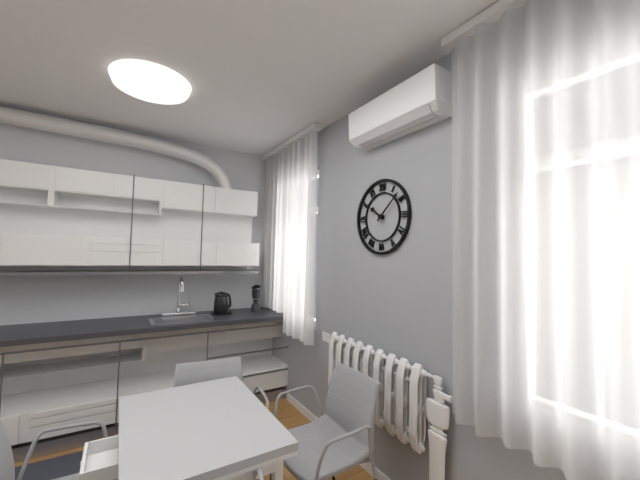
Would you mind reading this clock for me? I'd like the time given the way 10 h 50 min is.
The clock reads 10 h 08 min
